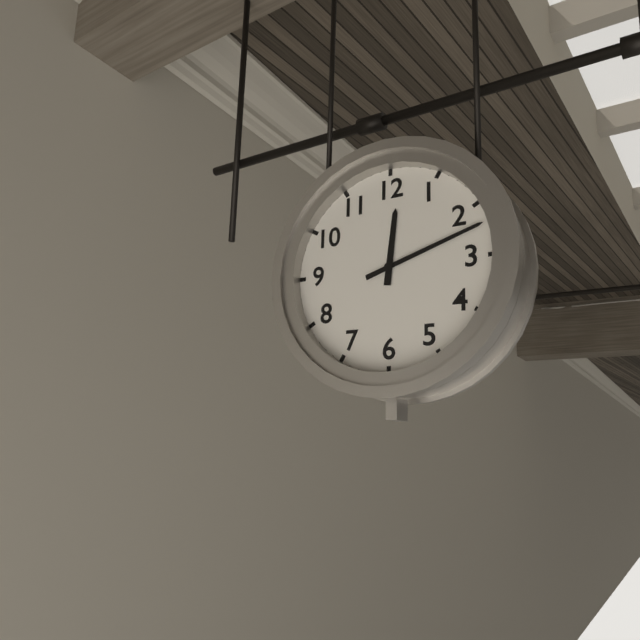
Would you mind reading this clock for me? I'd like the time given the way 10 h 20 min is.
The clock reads 12 h 12 min
